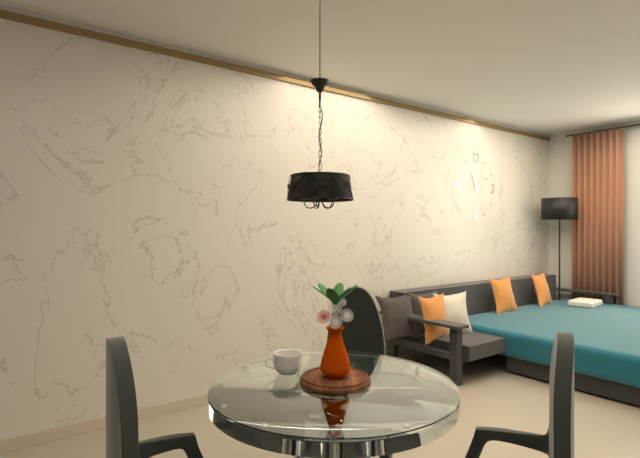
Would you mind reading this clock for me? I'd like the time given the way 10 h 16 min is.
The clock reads 11 h 10 min
